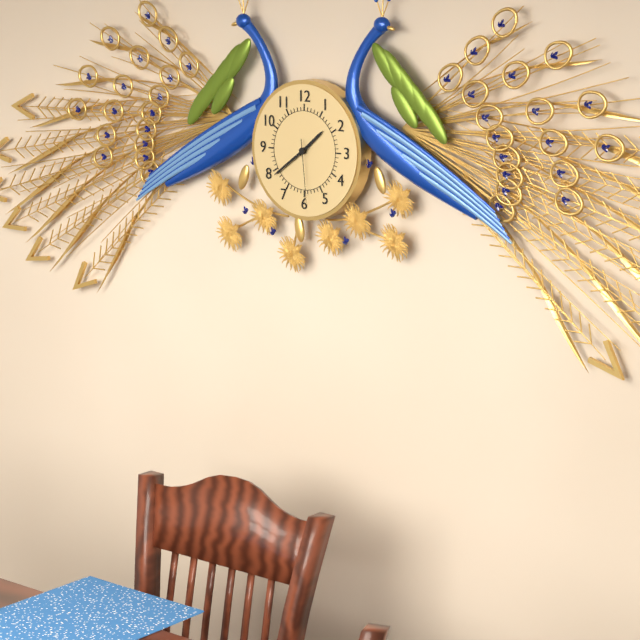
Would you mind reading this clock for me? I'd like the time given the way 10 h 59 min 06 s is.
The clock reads 1 h 39 min 29 s
